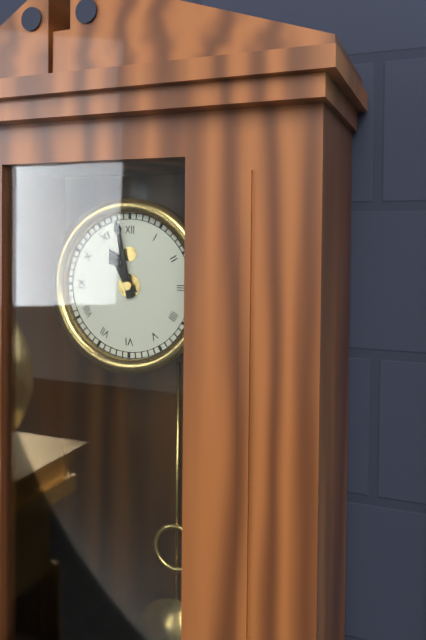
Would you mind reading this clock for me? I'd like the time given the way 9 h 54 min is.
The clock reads 10 h 58 min
